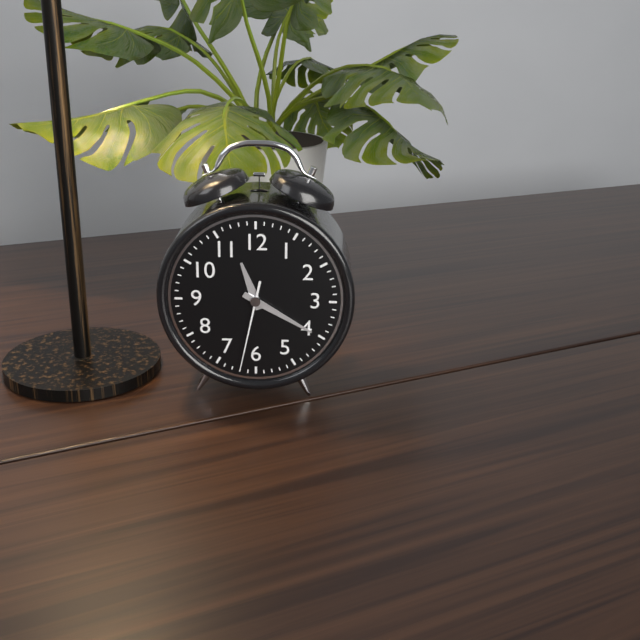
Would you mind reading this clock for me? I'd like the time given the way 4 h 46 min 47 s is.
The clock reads 11 h 20 min 32 s
